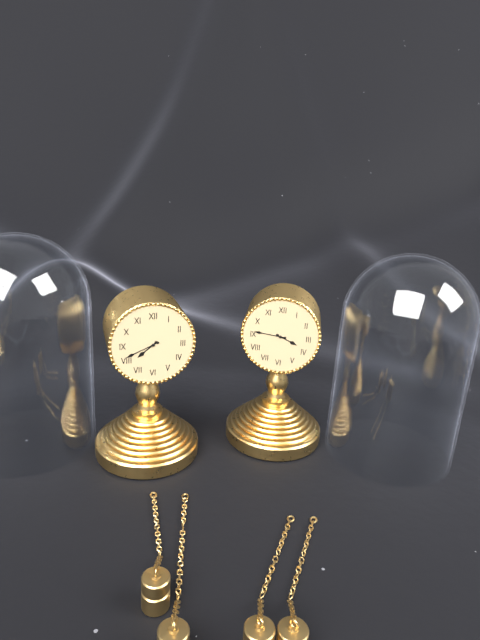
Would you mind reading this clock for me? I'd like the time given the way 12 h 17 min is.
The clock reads 7 h 41 min
